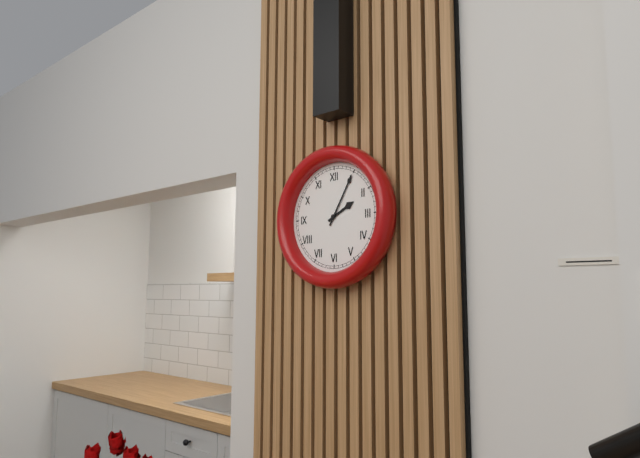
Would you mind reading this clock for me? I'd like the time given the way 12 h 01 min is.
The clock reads 2 h 05 min
